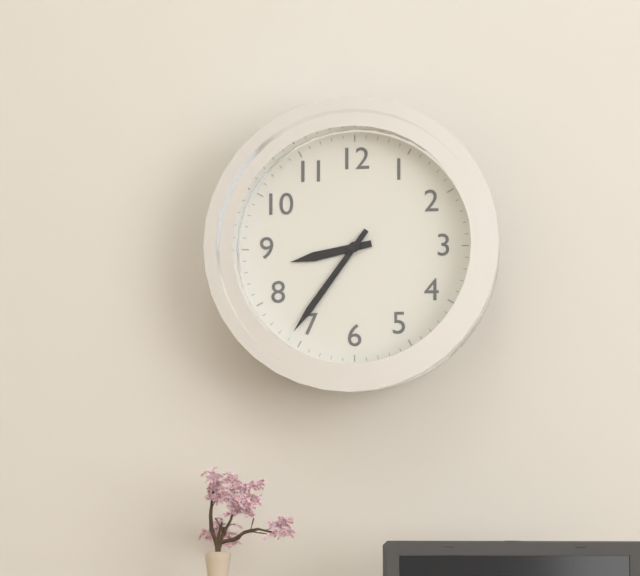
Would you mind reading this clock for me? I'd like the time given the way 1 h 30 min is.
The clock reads 8 h 36 min
